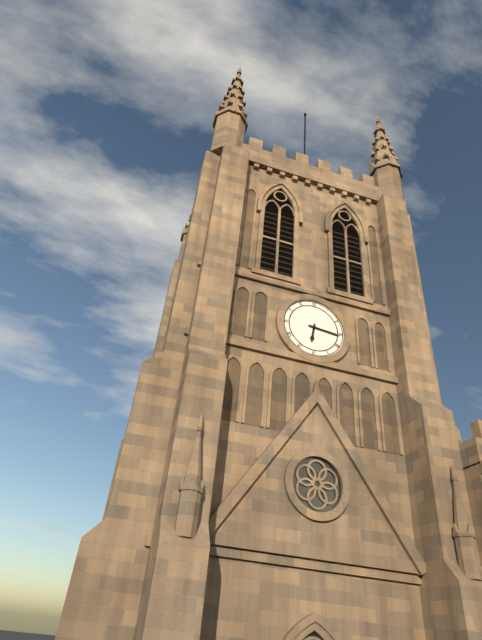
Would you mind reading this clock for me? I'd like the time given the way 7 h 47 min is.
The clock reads 6 h 16 min
